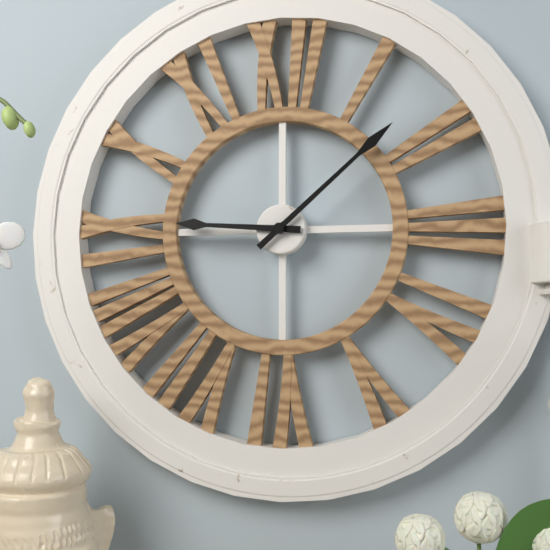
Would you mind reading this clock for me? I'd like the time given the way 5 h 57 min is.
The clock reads 9 h 08 min
